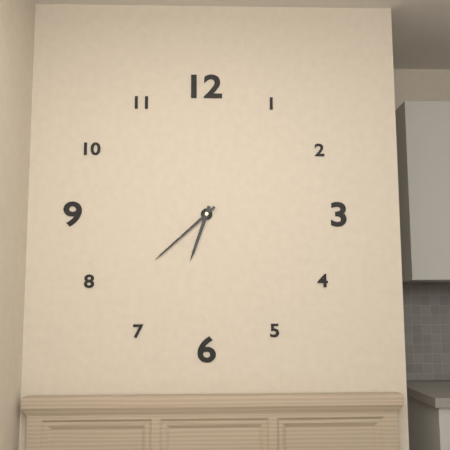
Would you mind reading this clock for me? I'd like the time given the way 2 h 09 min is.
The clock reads 6 h 38 min
